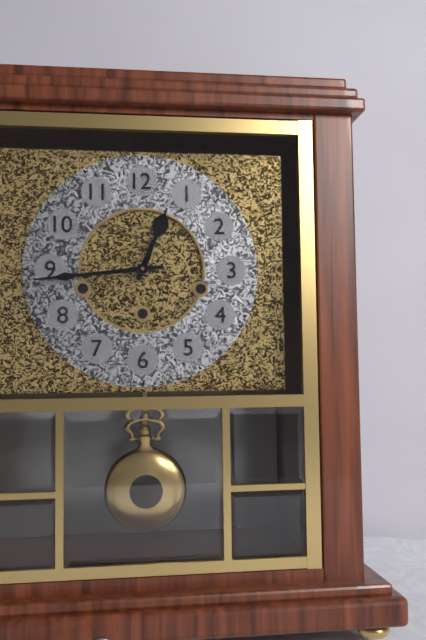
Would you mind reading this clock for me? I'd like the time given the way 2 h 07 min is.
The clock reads 12 h 44 min
